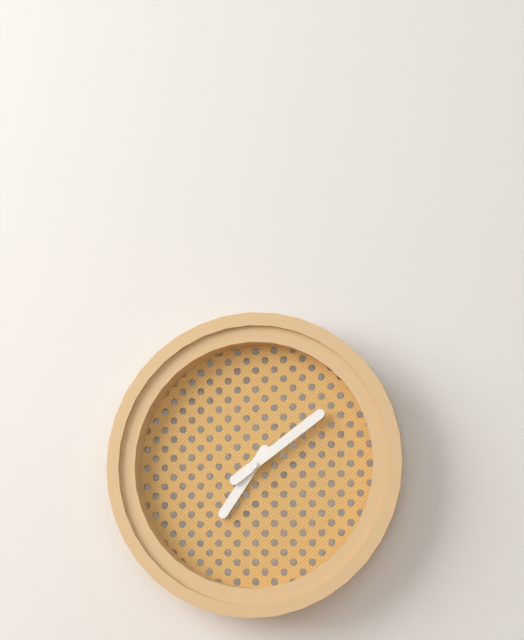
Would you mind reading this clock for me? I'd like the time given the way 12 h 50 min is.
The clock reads 7 h 09 min
